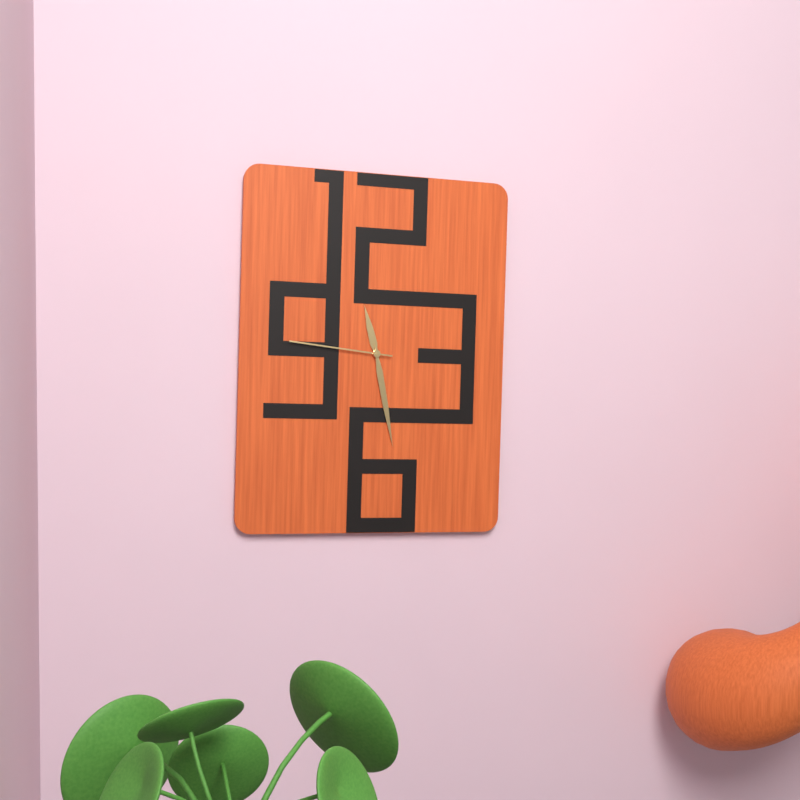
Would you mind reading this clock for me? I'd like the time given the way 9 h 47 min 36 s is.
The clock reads 11 h 28 min 46 s
